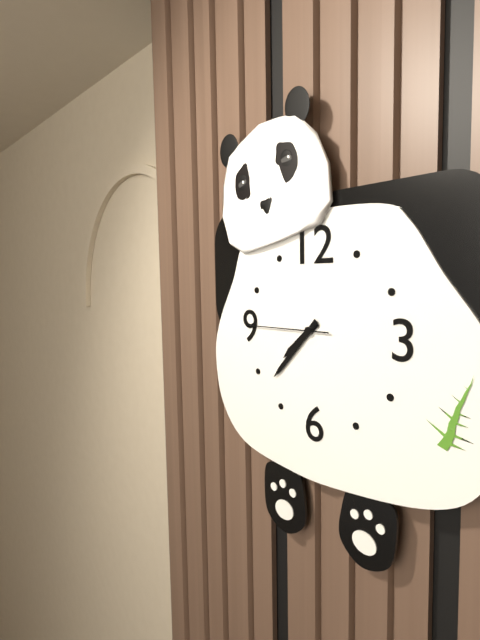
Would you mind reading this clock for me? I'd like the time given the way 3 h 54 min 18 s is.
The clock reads 7 h 37 min 45 s
